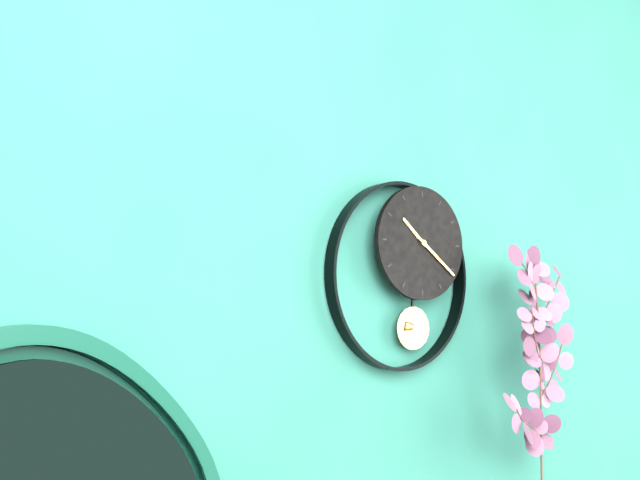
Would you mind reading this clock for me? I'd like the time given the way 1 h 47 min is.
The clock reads 10 h 21 min
